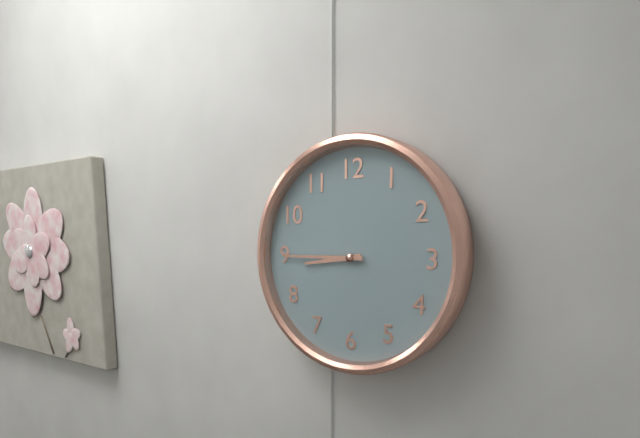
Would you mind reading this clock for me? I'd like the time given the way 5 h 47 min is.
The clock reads 8 h 45 min
